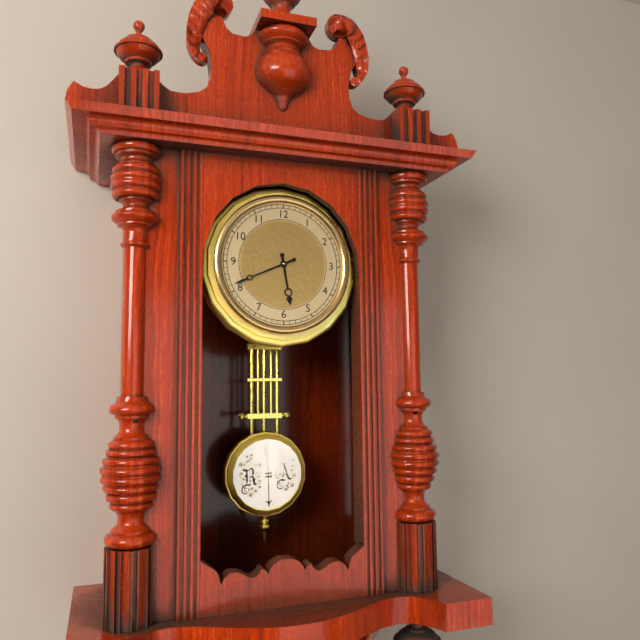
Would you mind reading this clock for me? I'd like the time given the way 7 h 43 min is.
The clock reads 5 h 41 min
